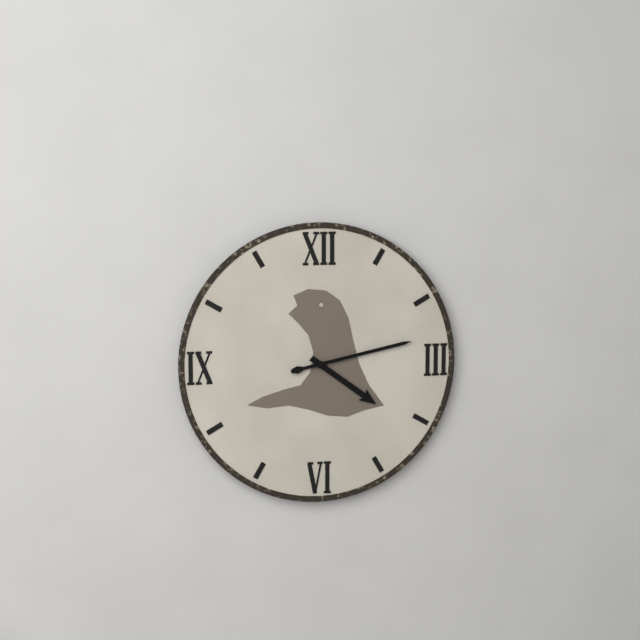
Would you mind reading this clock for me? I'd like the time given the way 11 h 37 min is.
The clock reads 4 h 13 min
